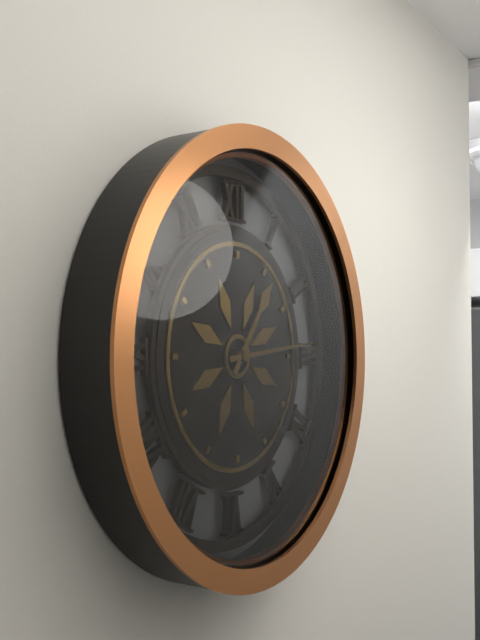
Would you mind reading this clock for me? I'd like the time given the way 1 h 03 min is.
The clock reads 1 h 14 min
